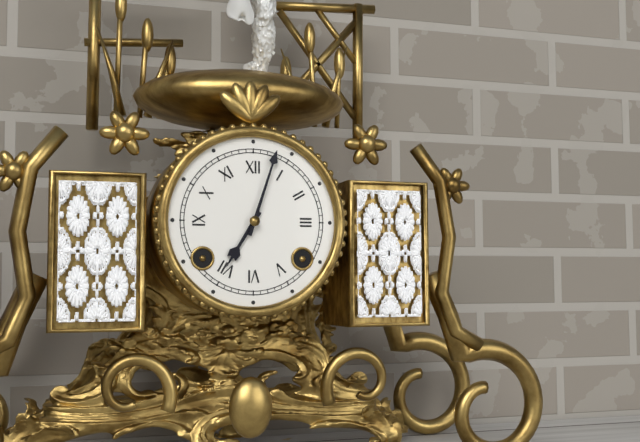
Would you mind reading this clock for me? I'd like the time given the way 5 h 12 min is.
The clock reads 7 h 03 min
